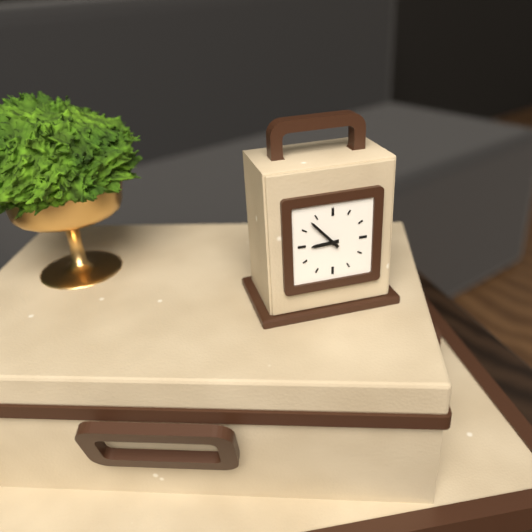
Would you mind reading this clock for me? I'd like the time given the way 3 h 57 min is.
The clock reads 8 h 53 min
